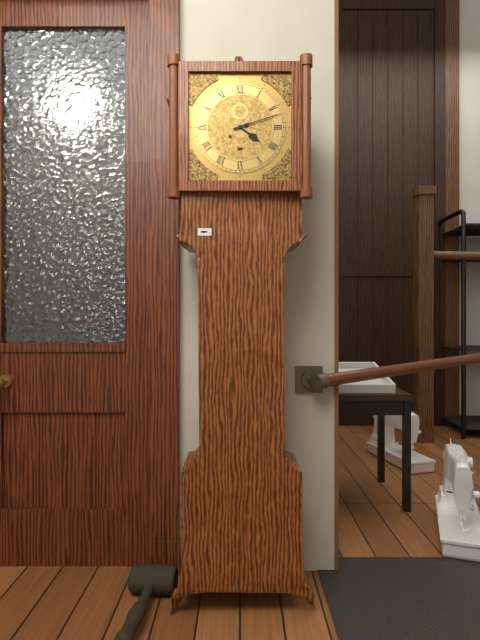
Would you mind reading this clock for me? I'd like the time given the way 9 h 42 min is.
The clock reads 4 h 12 min
